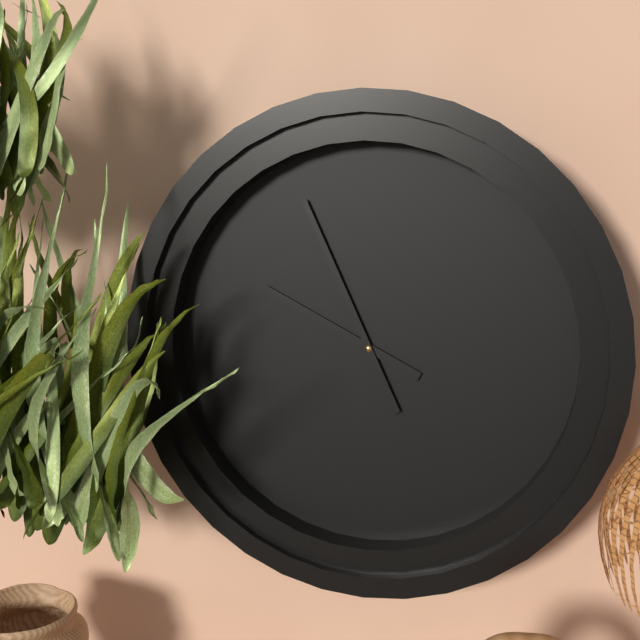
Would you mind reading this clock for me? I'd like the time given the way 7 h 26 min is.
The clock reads 9 h 56 min
